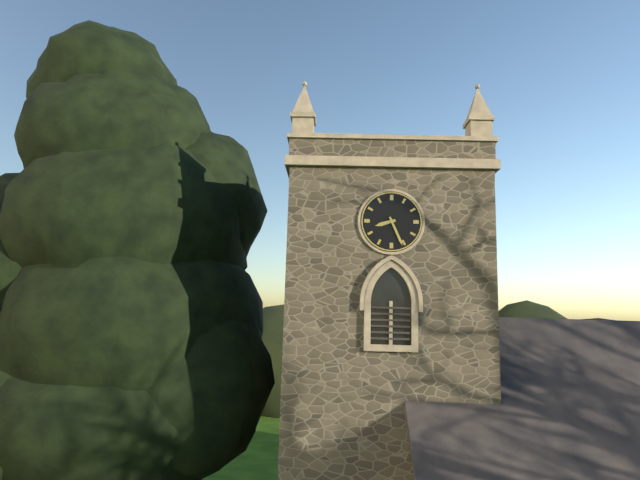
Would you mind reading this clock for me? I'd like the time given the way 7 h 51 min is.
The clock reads 8 h 26 min
